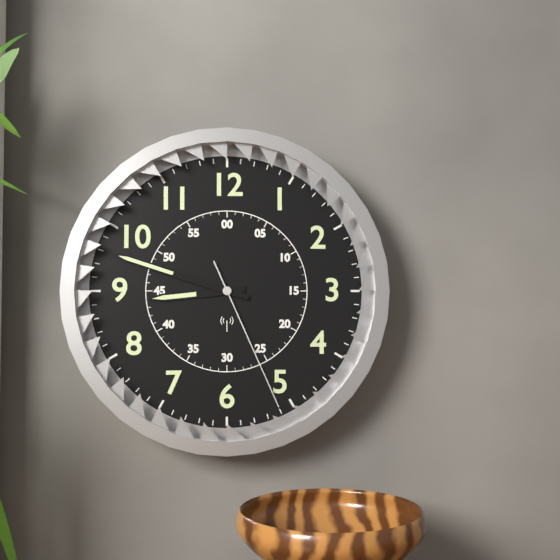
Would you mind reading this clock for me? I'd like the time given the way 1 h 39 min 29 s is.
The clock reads 8 h 48 min 26 s
